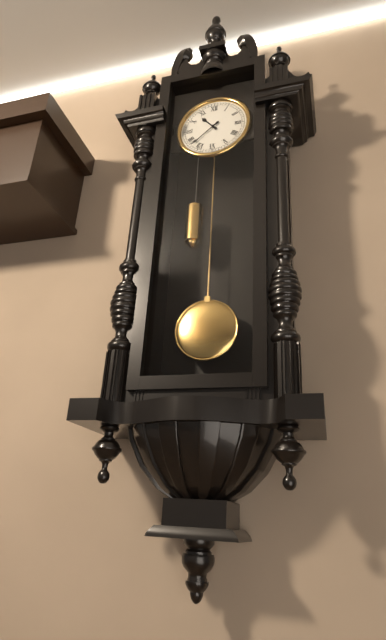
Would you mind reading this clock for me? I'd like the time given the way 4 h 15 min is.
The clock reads 10 h 38 min
